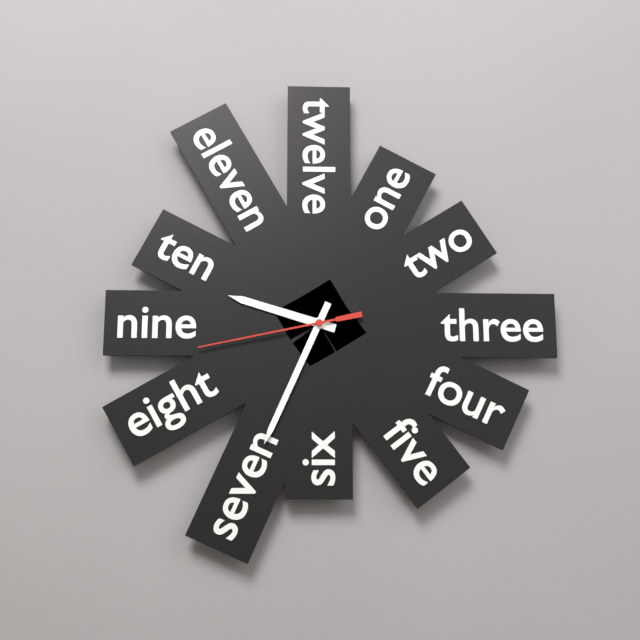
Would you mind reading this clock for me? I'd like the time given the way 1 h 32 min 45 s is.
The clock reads 9 h 34 min 43 s
